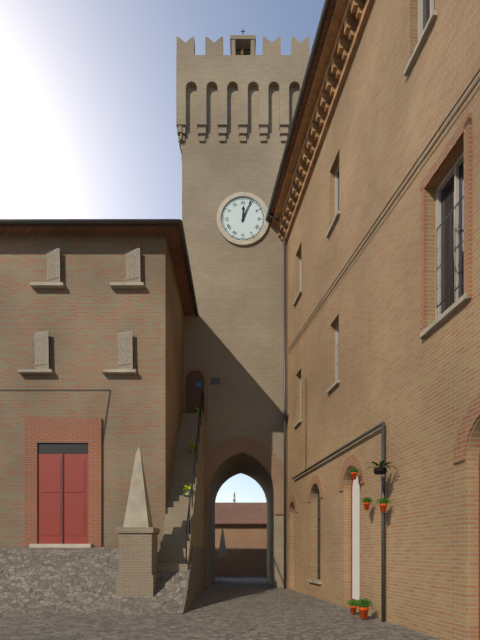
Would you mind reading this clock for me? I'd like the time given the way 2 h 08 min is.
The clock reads 12 h 04 min
